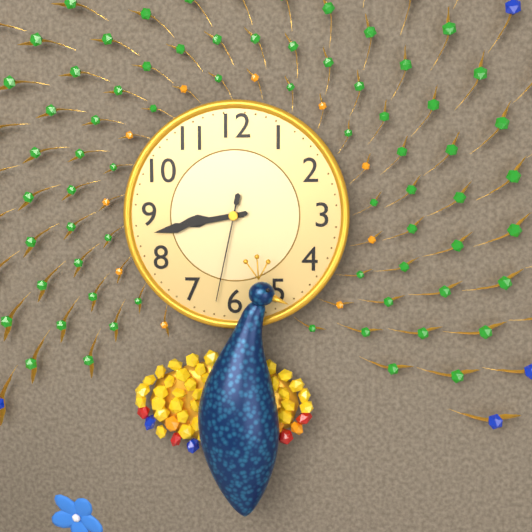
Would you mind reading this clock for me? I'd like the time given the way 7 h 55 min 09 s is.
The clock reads 8 h 43 min 32 s
